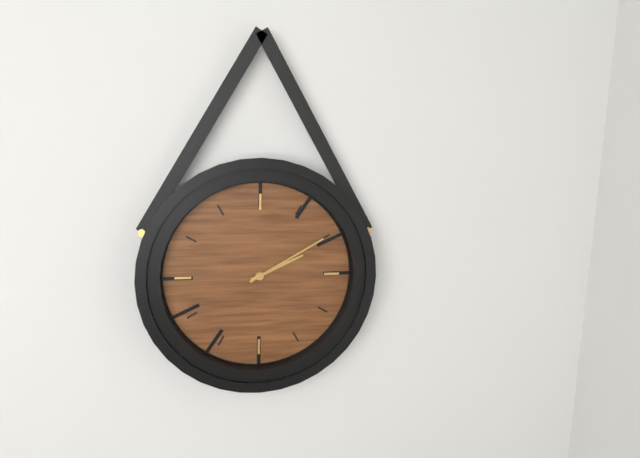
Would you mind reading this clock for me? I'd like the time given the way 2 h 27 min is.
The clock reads 2 h 10 min
